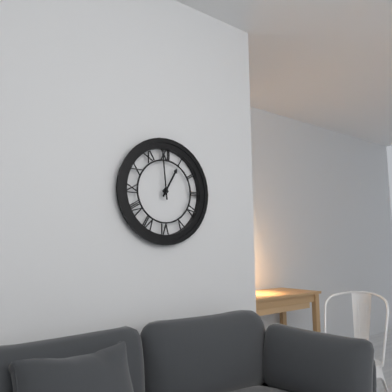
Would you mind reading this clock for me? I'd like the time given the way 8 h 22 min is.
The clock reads 12 h 59 min
